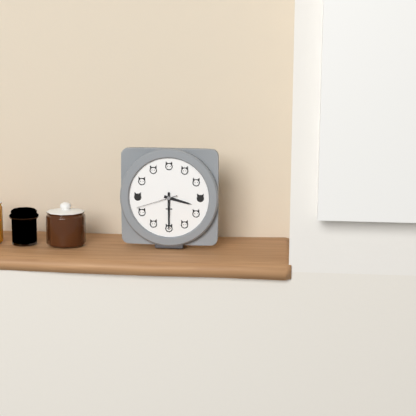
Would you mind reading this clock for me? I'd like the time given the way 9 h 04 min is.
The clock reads 3 h 30 min
